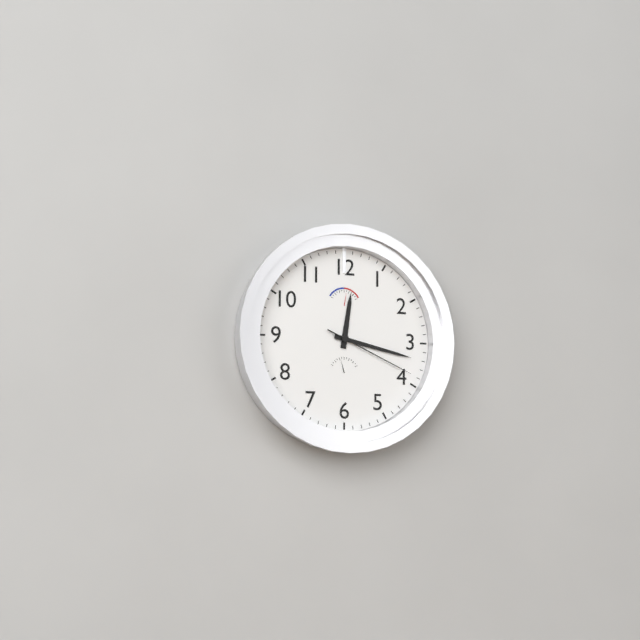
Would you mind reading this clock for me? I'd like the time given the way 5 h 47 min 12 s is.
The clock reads 12 h 17 min 19 s
